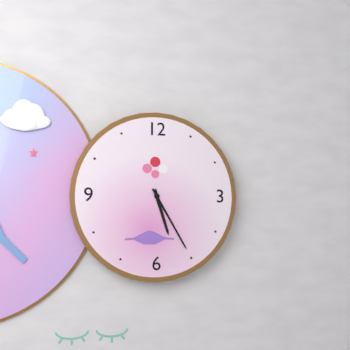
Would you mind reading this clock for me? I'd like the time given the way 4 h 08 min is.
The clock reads 5 h 25 min
